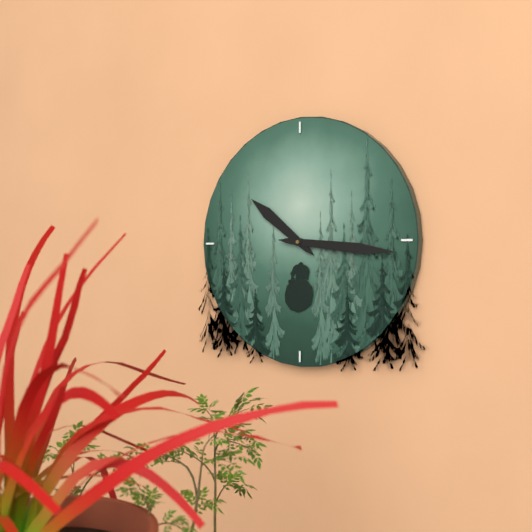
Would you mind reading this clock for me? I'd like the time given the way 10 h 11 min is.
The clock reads 10 h 16 min
